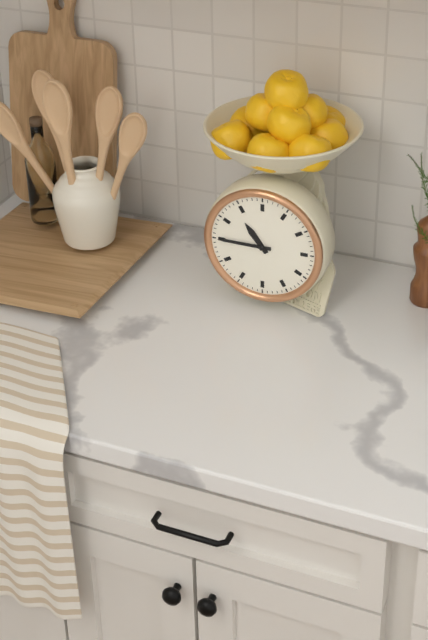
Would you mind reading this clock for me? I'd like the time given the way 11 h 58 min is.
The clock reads 10 h 45 min
